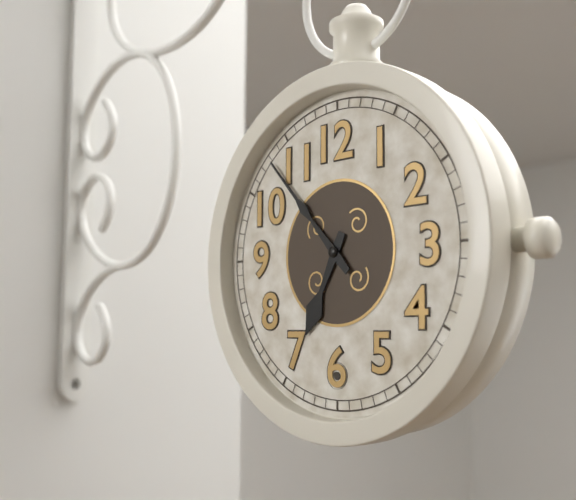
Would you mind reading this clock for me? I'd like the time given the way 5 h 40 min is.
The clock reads 6 h 53 min
